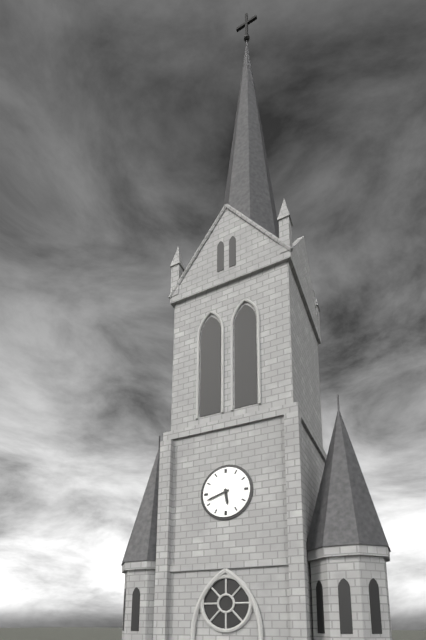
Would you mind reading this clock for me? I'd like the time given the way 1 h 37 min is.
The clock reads 5 h 42 min
